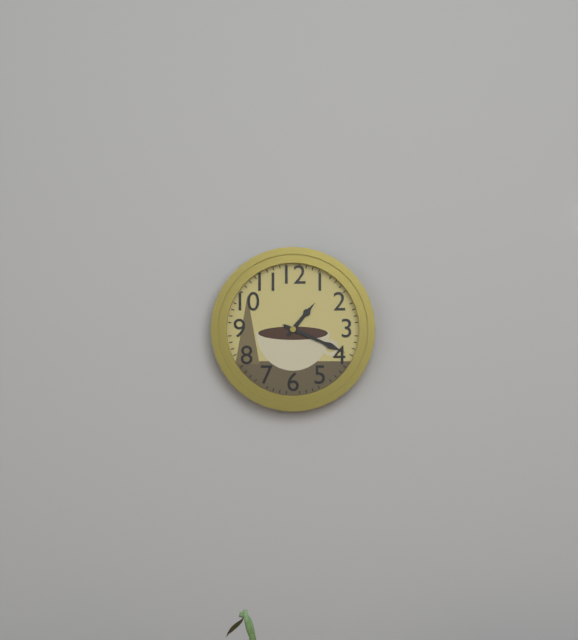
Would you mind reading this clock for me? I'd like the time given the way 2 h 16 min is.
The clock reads 1 h 19 min
